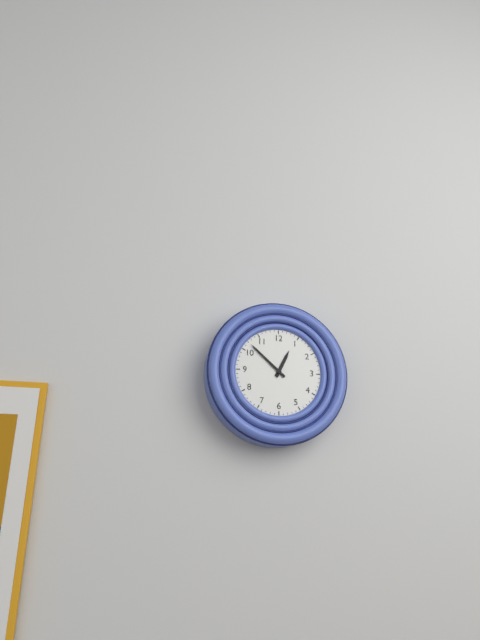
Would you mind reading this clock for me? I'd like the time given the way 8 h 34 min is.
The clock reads 12 h 52 min
